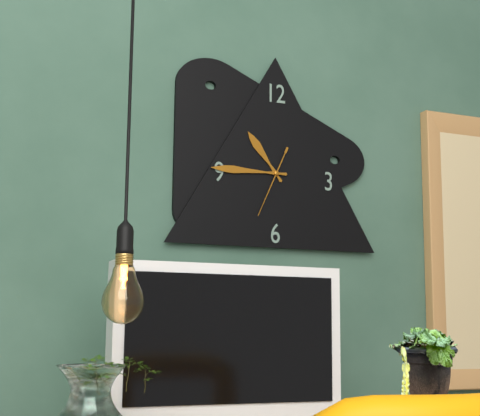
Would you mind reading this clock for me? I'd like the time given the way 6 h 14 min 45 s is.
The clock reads 10 h 45 min 34 s
